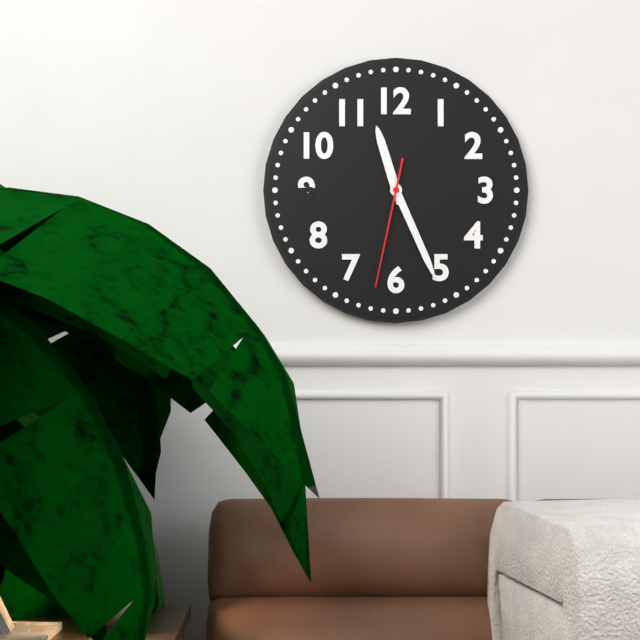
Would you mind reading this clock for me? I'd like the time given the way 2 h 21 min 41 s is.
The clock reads 11 h 26 min 32 s
